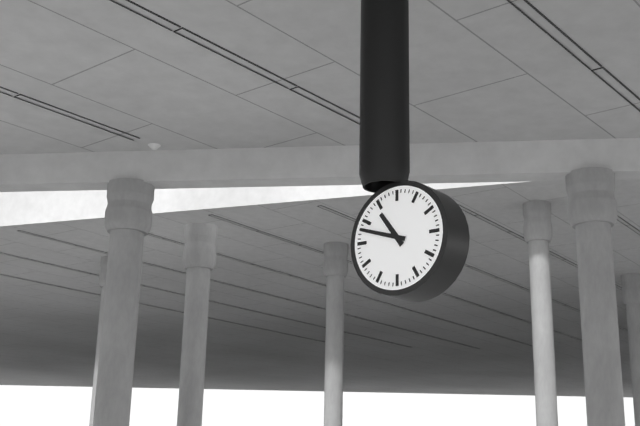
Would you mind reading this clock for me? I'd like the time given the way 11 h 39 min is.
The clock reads 10 h 48 min
